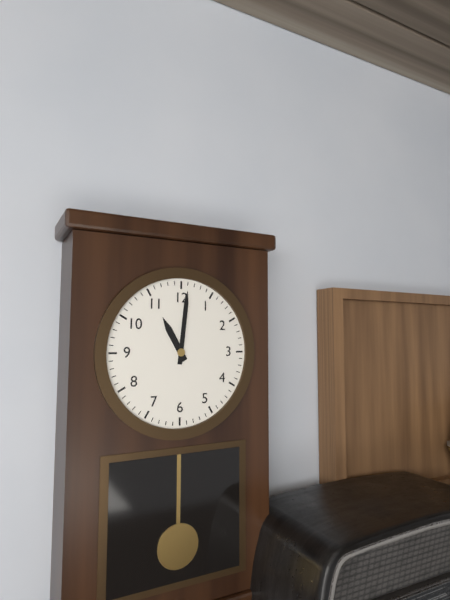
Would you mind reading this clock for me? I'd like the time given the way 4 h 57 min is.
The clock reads 11 h 01 min
